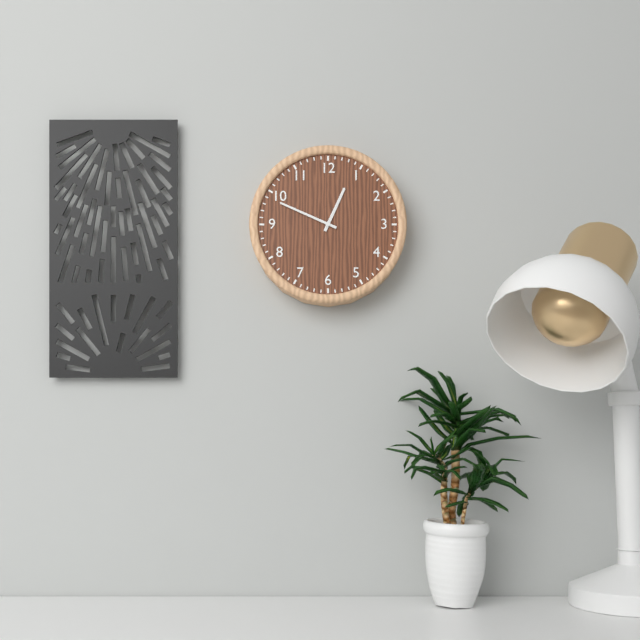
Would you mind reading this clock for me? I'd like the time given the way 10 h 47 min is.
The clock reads 12 h 49 min
